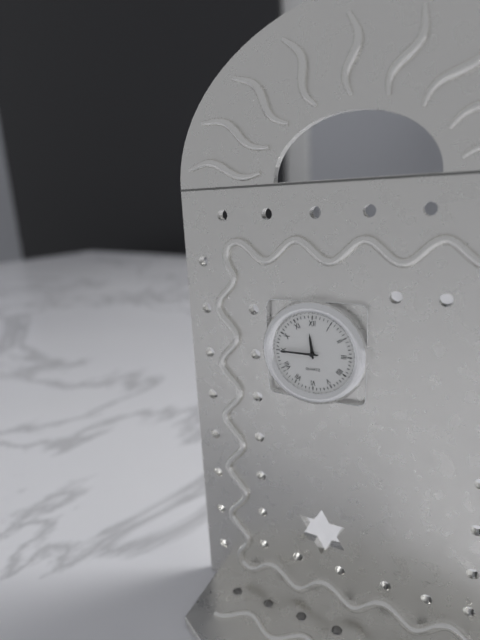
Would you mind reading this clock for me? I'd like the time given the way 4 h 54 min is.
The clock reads 11 h 45 min
